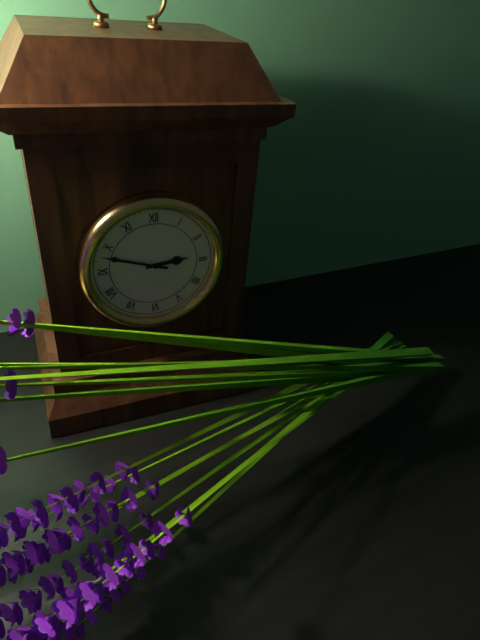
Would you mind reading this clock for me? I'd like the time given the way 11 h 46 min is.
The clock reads 2 h 48 min
